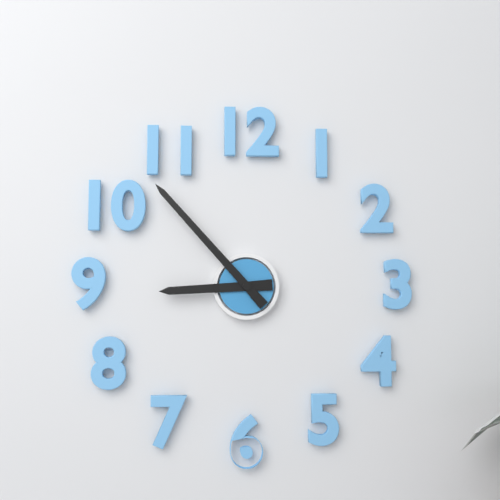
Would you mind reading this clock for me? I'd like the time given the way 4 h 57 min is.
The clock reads 8 h 53 min
